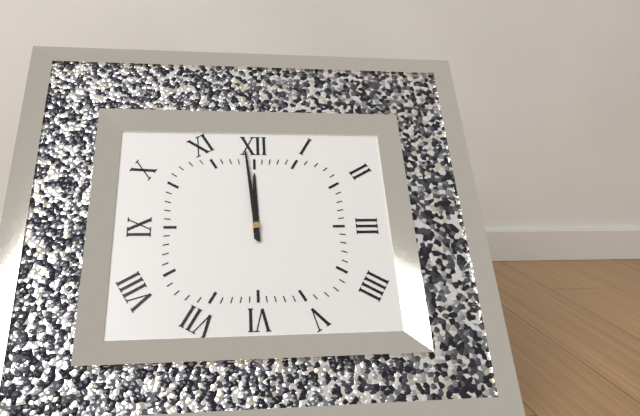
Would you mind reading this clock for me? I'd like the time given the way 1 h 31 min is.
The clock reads 11 h 59 min
